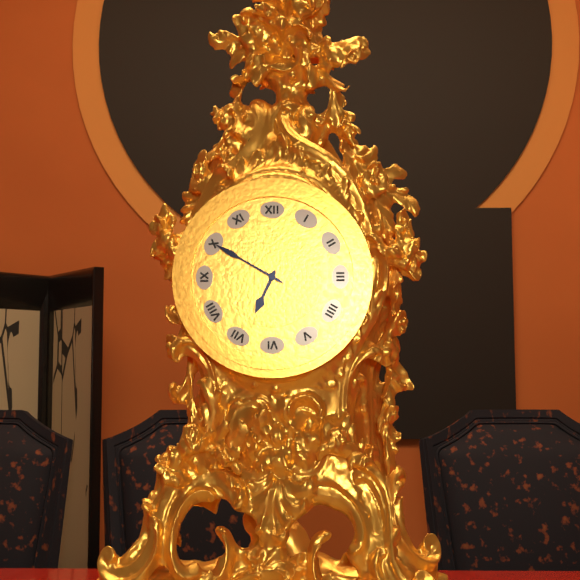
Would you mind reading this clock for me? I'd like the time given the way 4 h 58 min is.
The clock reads 6 h 50 min
